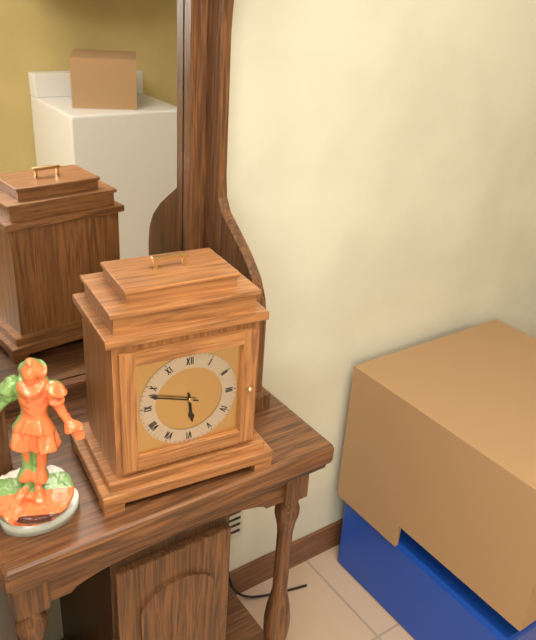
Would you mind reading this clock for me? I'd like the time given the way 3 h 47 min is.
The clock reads 5 h 48 min
